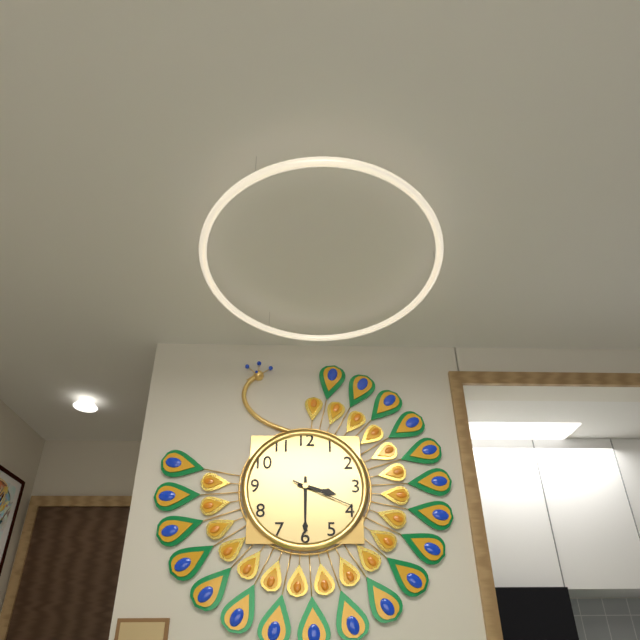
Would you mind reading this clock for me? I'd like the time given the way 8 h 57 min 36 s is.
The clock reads 3 h 30 min 19 s
